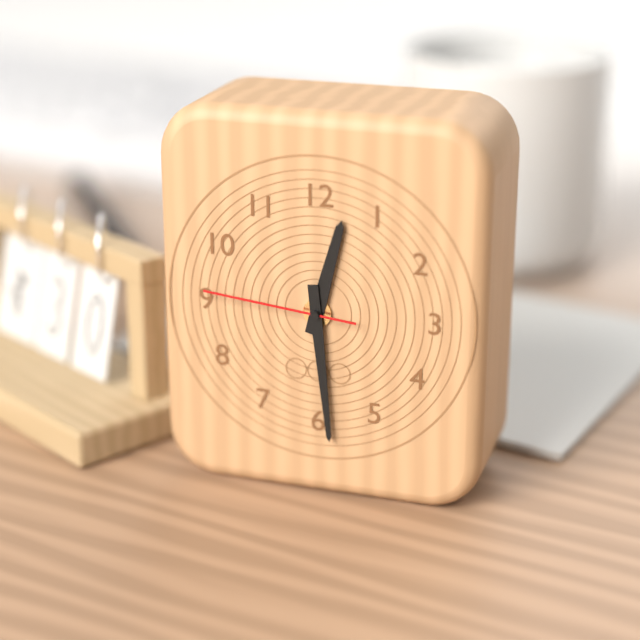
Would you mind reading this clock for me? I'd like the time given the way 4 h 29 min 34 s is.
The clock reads 12 h 29 min 46 s
